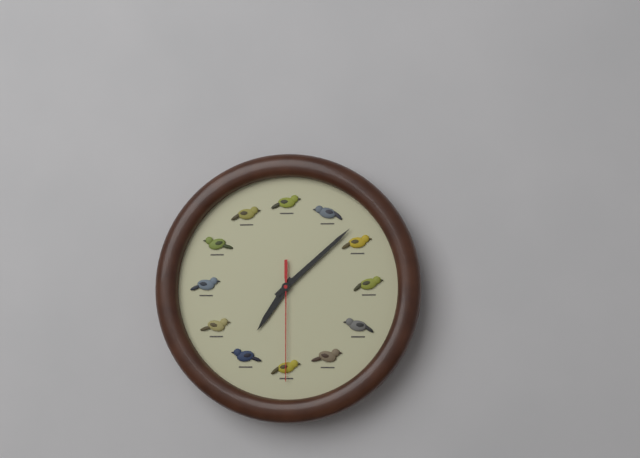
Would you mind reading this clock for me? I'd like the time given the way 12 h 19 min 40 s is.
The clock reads 7 h 08 min 30 s
